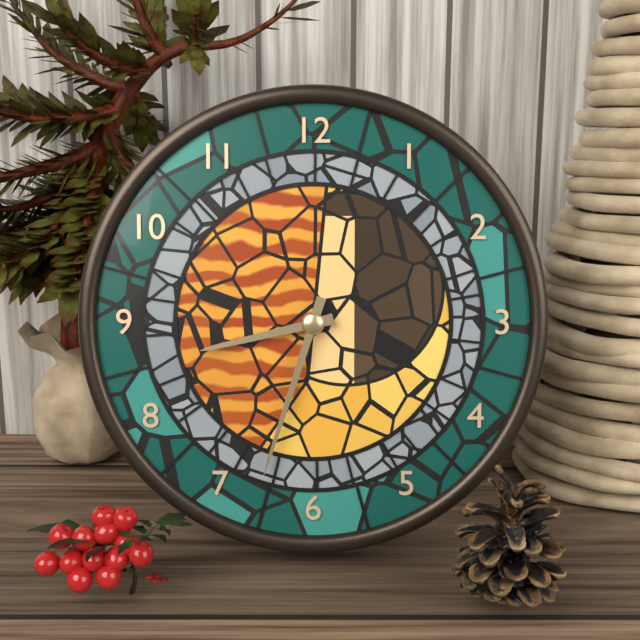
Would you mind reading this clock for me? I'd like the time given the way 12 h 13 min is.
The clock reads 8 h 33 min
